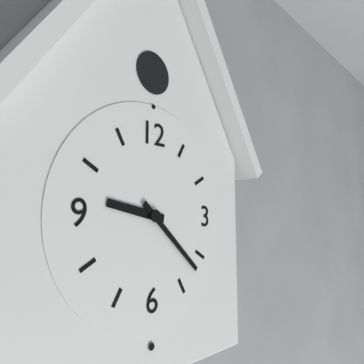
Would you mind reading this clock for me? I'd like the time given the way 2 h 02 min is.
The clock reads 9 h 22 min
